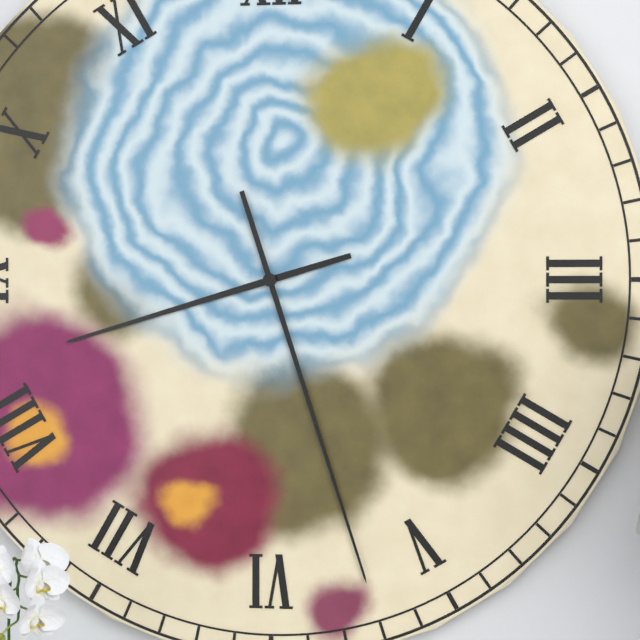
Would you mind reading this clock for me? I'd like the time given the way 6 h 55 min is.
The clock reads 8 h 27 min
